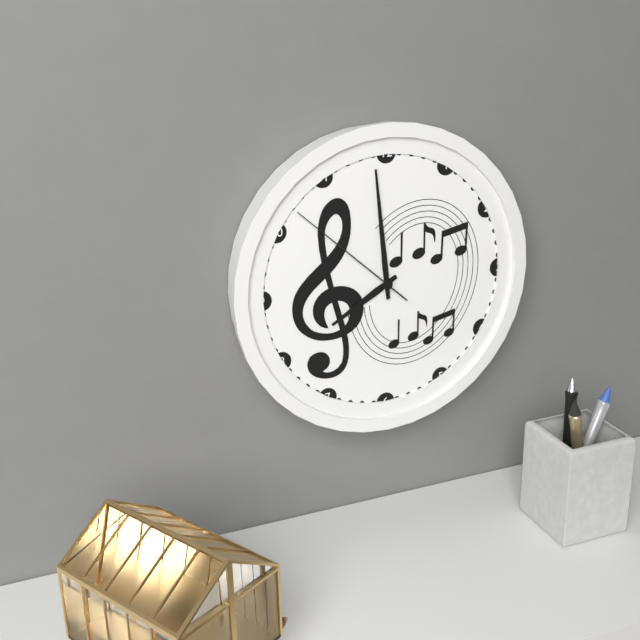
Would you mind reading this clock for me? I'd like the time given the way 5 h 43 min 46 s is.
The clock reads 7 h 59 min 52 s
